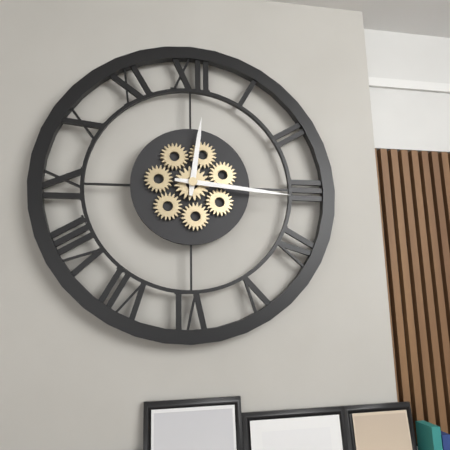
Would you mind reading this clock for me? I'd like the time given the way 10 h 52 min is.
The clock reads 12 h 16 min
